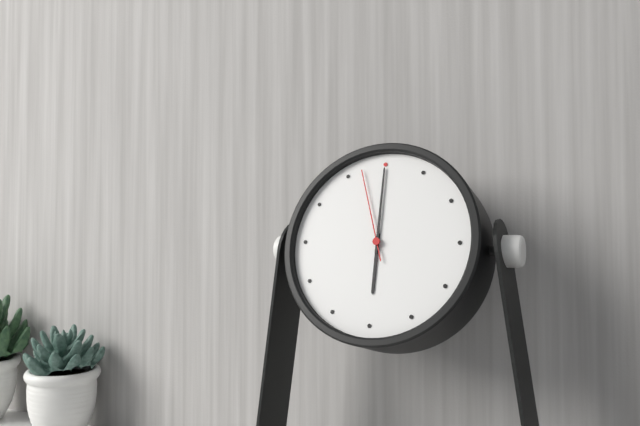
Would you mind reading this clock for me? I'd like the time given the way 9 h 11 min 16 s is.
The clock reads 6 h 00 min 57 s
